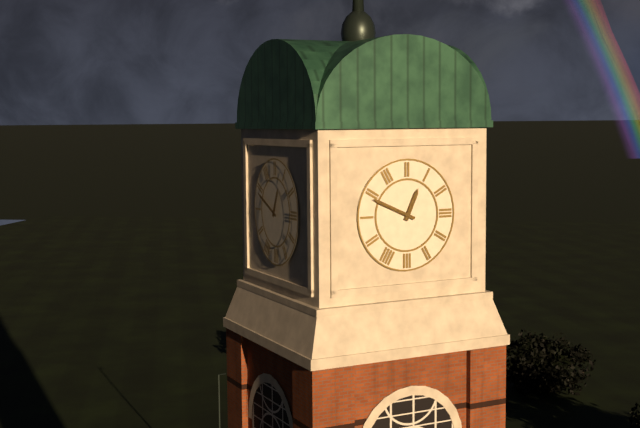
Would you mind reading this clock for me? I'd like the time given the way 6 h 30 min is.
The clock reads 12 h 49 min
